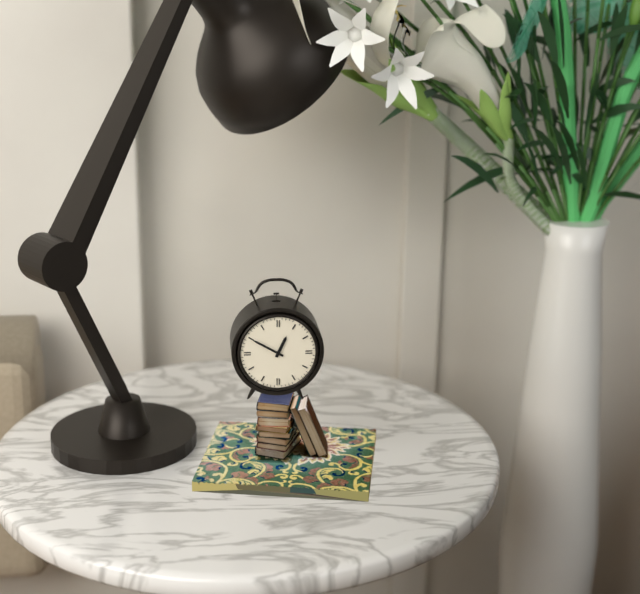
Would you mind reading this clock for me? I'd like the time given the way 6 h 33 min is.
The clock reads 12 h 50 min
